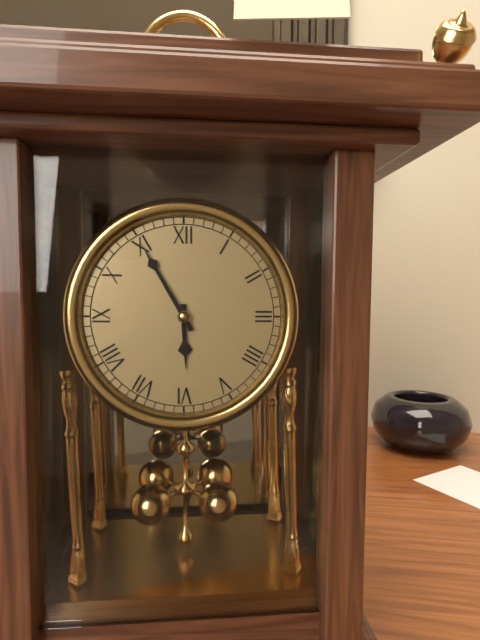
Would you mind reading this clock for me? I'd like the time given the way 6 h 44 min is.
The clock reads 5 h 55 min
